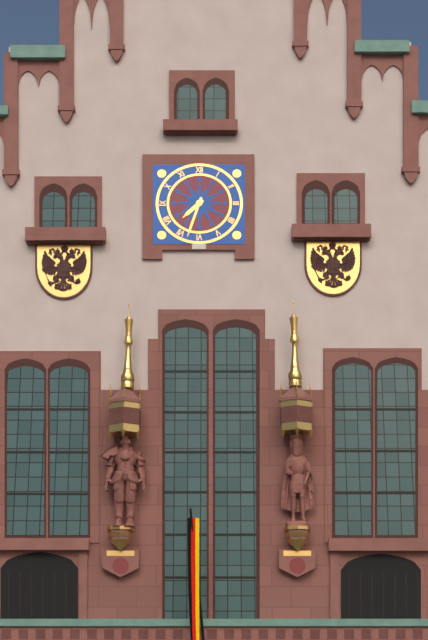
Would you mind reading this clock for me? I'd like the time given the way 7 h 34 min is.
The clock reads 7 h 33 min
